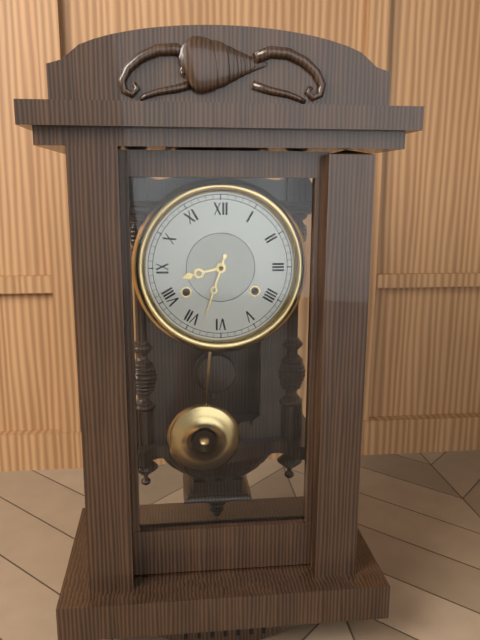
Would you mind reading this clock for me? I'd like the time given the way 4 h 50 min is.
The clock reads 8 h 33 min
